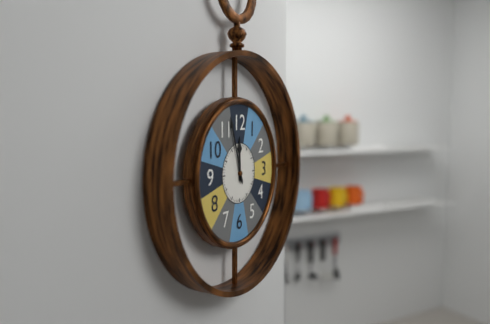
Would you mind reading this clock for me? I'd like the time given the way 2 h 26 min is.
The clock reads 11 h 57 min
